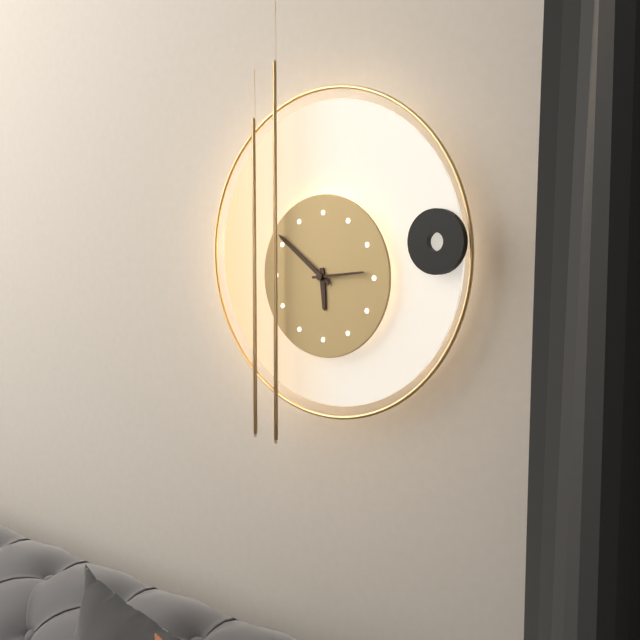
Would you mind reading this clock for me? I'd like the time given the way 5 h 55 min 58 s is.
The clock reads 5 h 51 min 14 s
